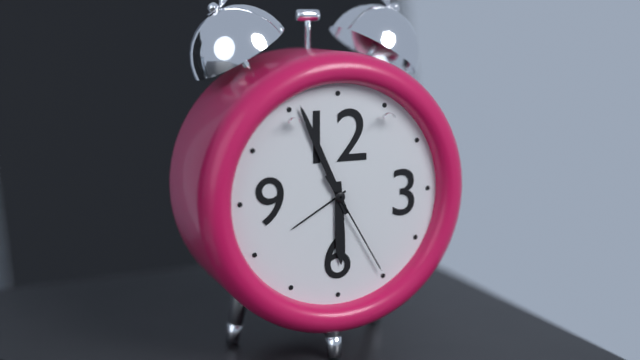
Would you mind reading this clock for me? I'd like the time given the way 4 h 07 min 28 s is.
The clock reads 5 h 56 min 25 s
